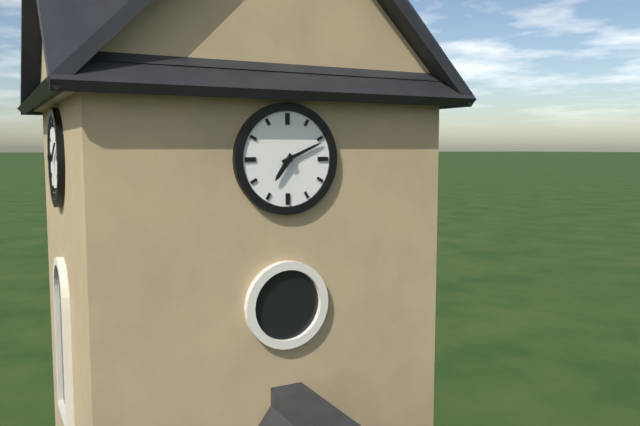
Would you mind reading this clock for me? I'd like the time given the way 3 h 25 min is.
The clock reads 7 h 11 min
